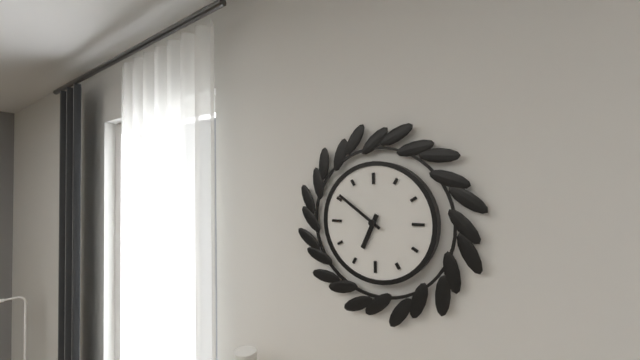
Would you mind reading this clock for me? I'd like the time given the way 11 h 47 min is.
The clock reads 6 h 51 min
